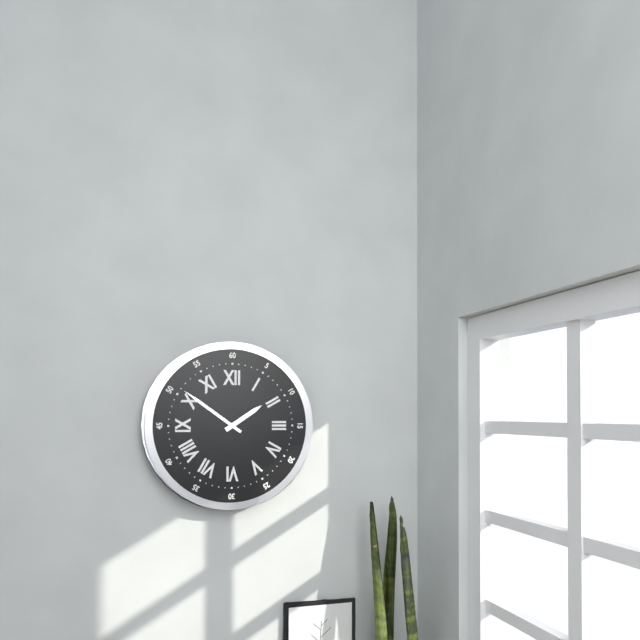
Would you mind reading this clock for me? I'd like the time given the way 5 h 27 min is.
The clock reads 1 h 51 min
